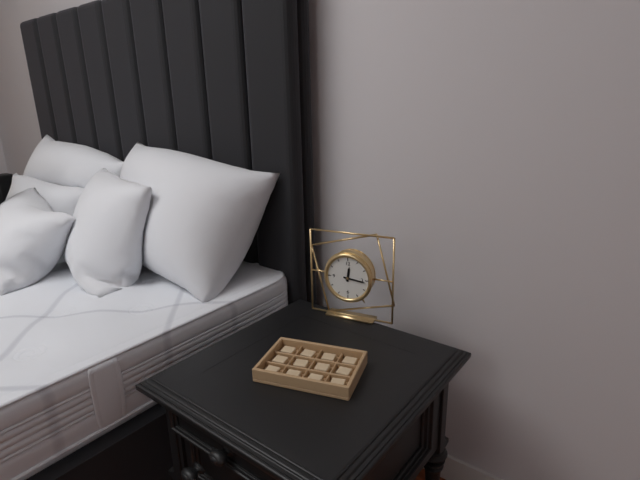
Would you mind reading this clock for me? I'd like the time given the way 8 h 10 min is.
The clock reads 12 h 16 min
